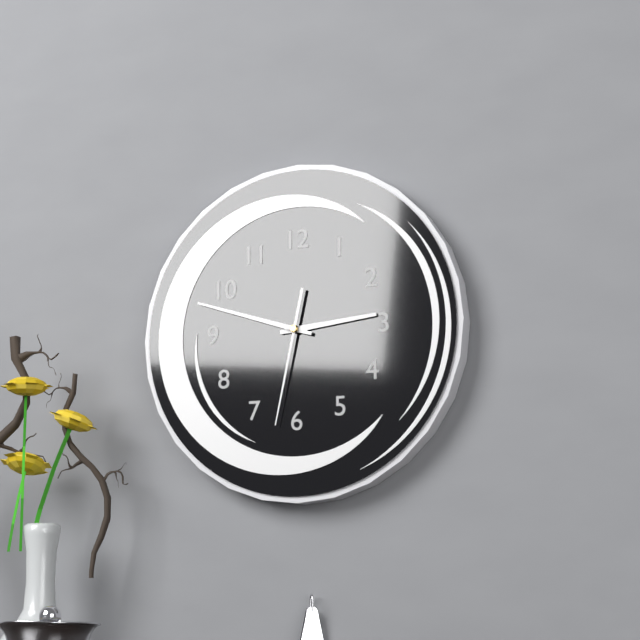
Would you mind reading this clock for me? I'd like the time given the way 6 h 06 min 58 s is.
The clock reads 2 h 48 min 32 s
